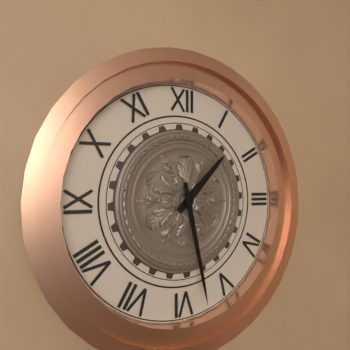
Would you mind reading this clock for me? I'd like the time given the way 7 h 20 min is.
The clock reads 1 h 28 min
